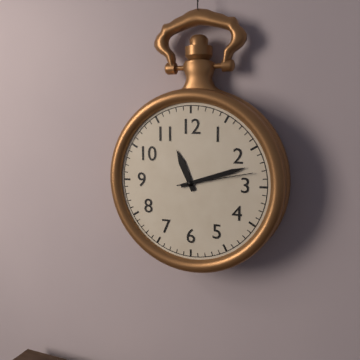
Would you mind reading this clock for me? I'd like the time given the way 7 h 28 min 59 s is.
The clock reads 11 h 12 min 13 s
